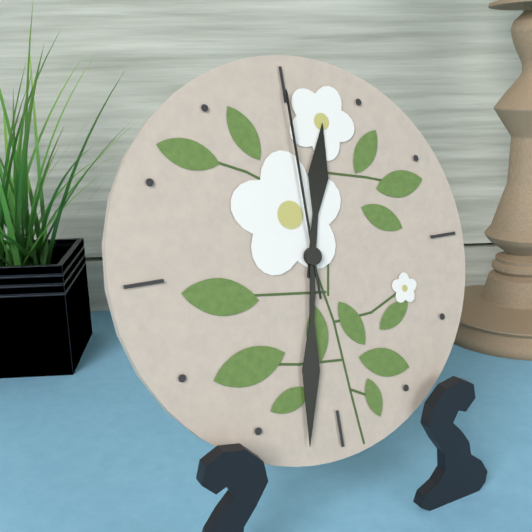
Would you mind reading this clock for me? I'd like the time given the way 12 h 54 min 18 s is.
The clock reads 12 h 32 min 00 s
